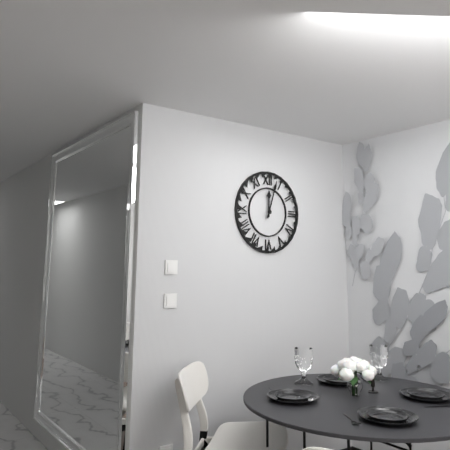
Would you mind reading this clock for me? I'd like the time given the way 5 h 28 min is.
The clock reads 12 h 03 min
